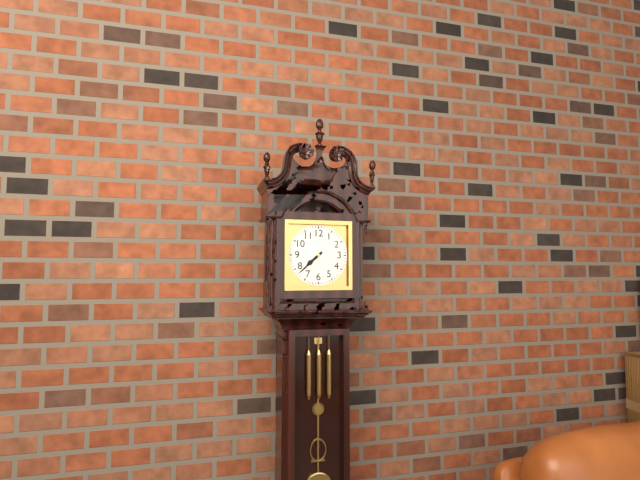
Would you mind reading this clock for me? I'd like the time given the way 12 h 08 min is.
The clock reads 7 h 38 min
